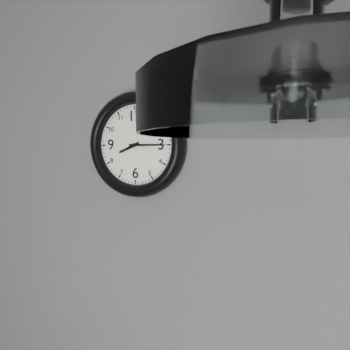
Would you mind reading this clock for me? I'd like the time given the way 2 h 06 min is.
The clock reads 8 h 15 min
